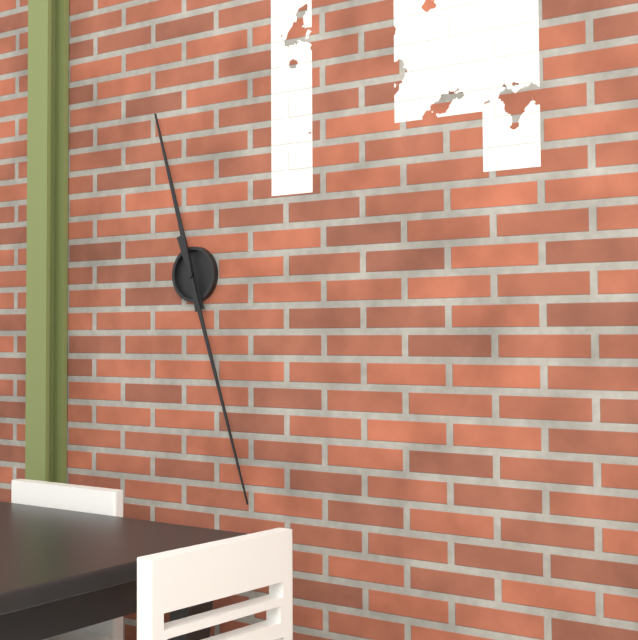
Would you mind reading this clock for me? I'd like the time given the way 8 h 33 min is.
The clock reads 11 h 27 min
